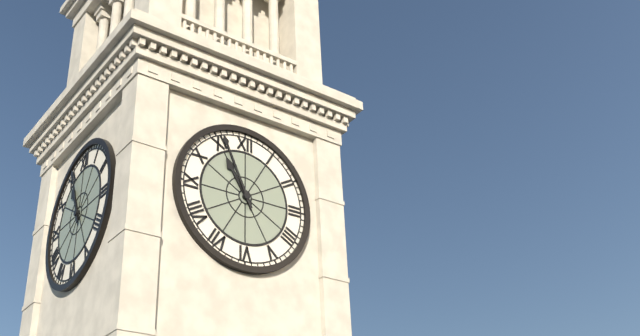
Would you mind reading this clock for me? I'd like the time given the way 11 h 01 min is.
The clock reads 10 h 56 min
